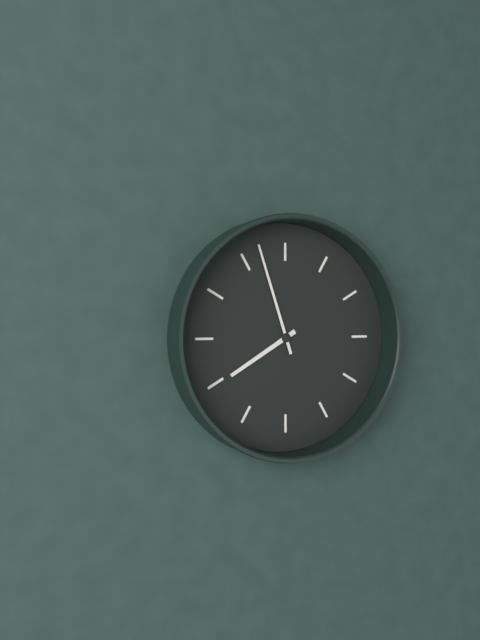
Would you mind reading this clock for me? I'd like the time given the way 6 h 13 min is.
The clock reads 7 h 57 min
